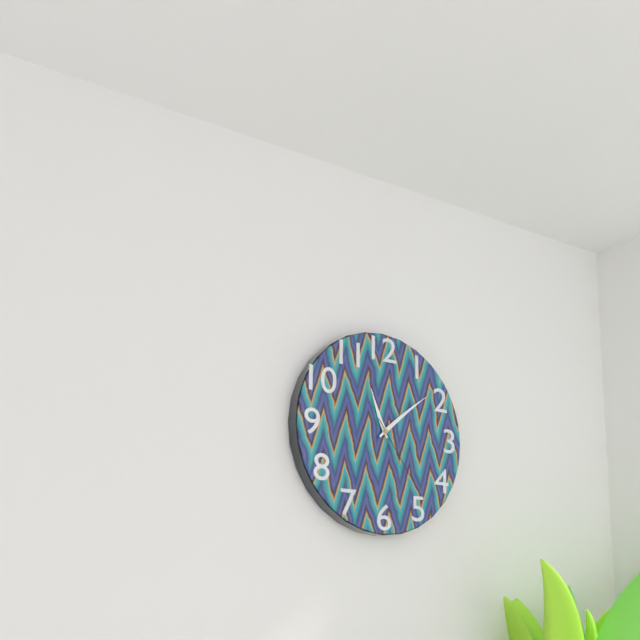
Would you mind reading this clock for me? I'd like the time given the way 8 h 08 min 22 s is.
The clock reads 11 h 08 min 24 s
